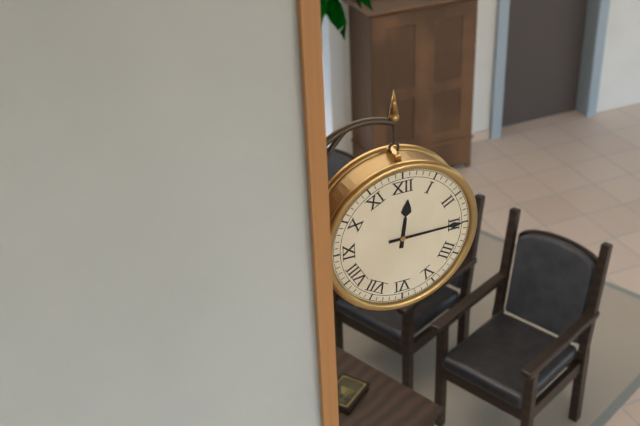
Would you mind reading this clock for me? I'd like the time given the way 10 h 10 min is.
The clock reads 12 h 15 min
